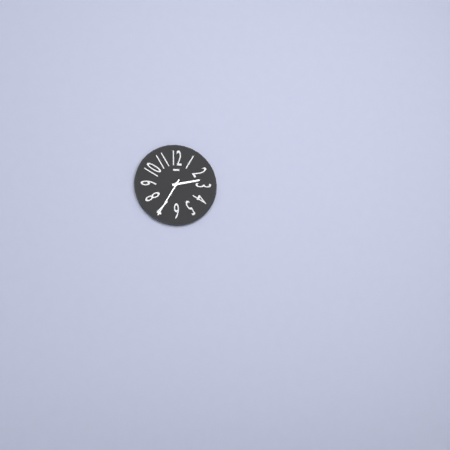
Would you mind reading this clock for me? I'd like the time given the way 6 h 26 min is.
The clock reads 2 h 35 min
